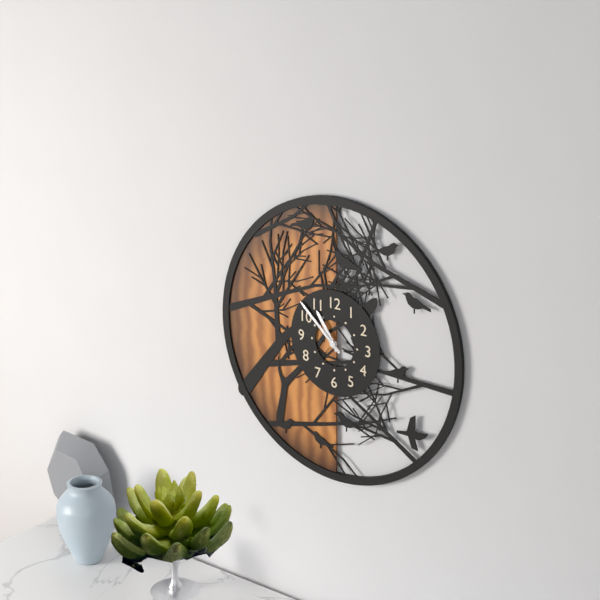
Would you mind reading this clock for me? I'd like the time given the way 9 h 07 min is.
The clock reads 10 h 52 min
